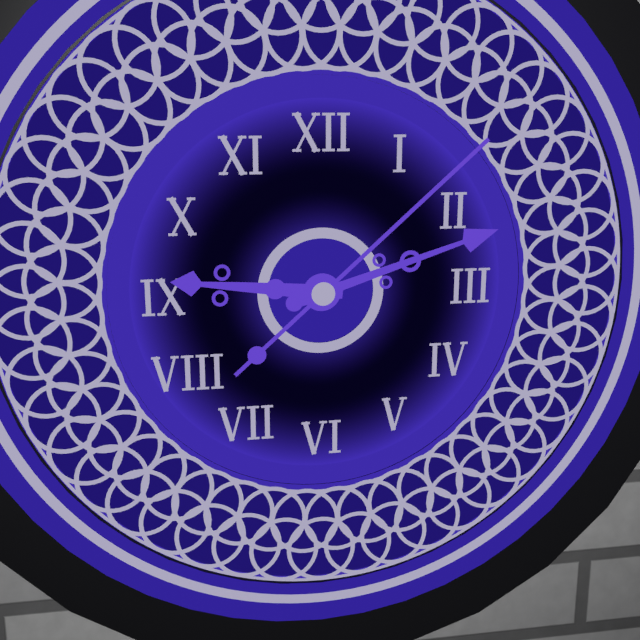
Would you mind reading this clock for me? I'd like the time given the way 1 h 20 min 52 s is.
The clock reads 9 h 12 min 08 s
